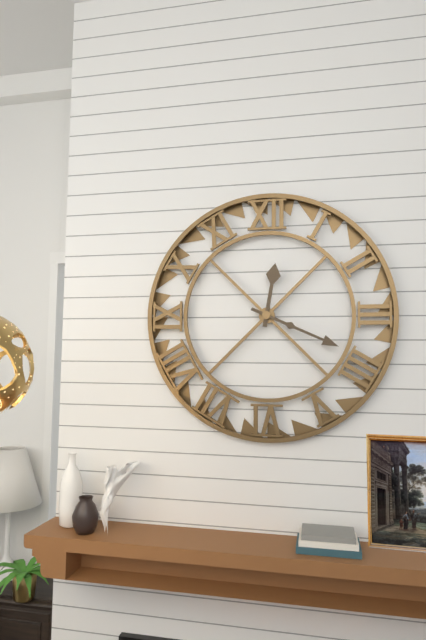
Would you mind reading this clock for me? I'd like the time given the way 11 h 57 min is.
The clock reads 12 h 19 min
